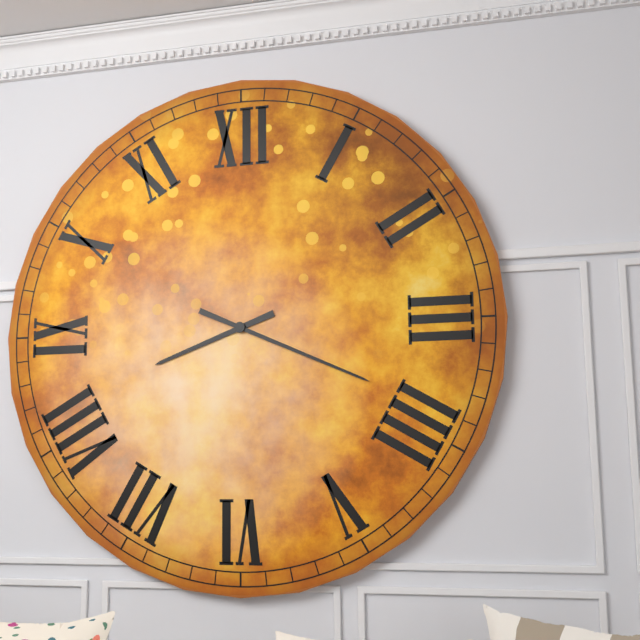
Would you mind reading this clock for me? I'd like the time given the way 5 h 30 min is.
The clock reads 8 h 19 min
